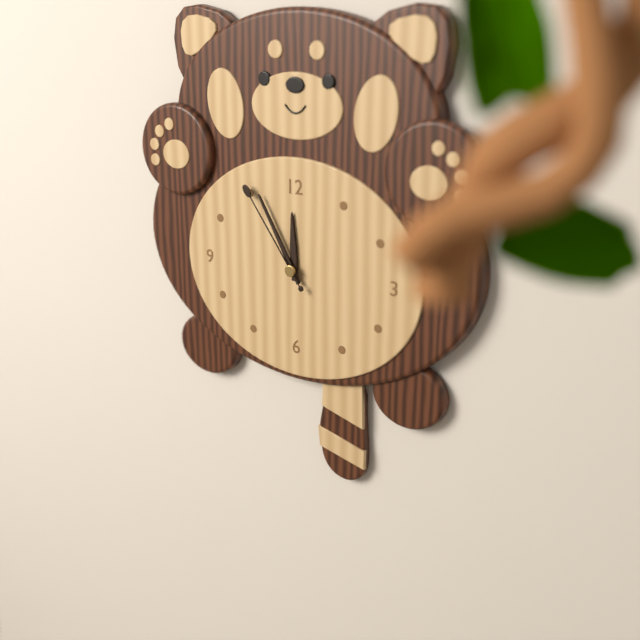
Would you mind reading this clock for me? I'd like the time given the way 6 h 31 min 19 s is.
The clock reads 11 h 55 min 54 s
